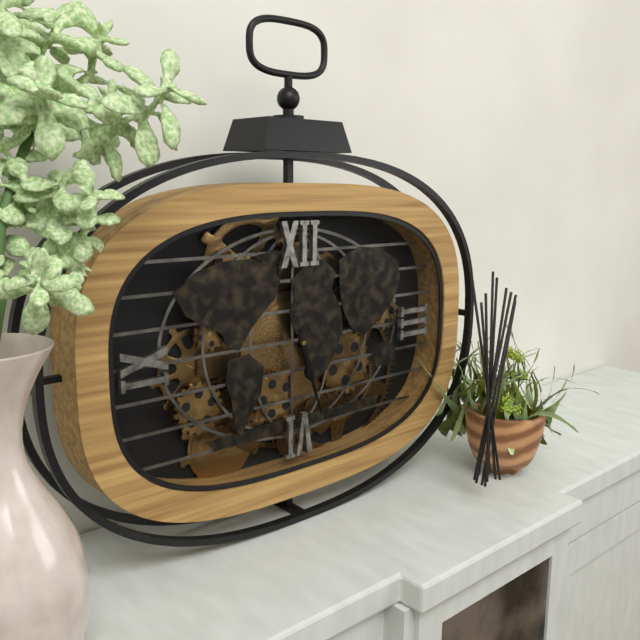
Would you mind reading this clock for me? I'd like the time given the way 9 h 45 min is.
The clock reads 5 h 27 min
